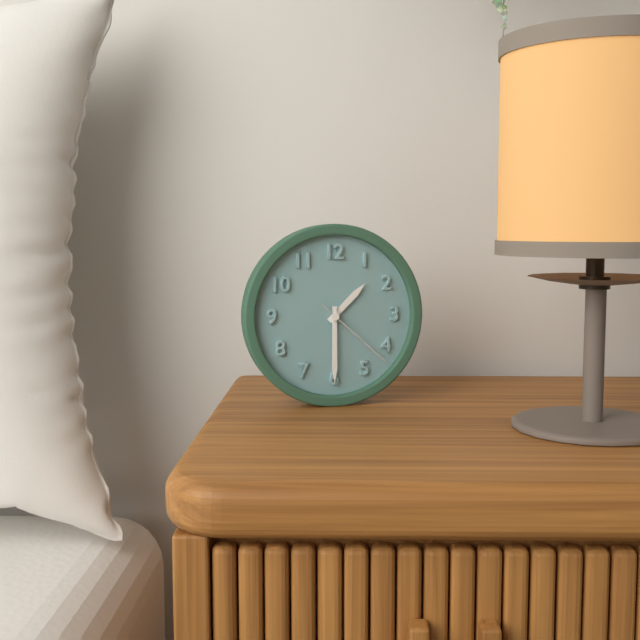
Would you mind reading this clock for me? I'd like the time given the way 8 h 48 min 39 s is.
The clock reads 1 h 30 min 22 s
